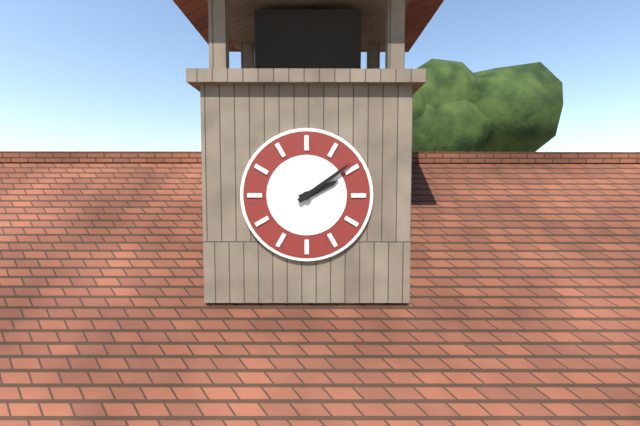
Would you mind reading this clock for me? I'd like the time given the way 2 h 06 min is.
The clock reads 2 h 09 min
